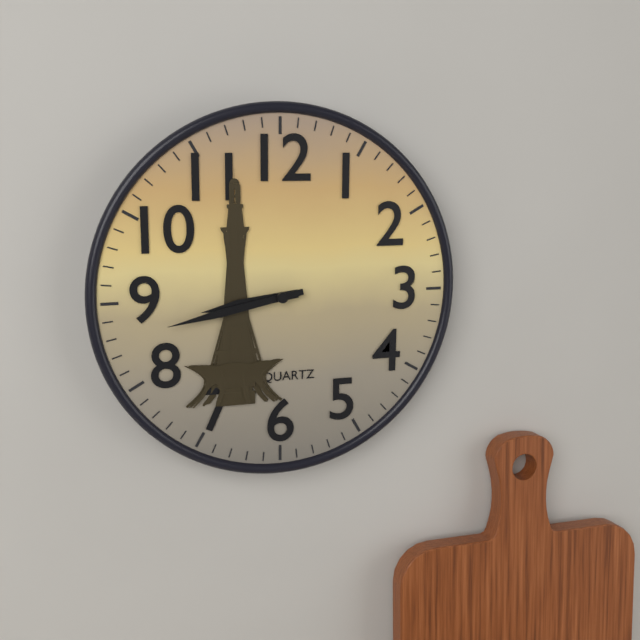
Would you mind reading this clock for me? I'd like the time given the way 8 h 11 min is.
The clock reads 8 h 43 min
